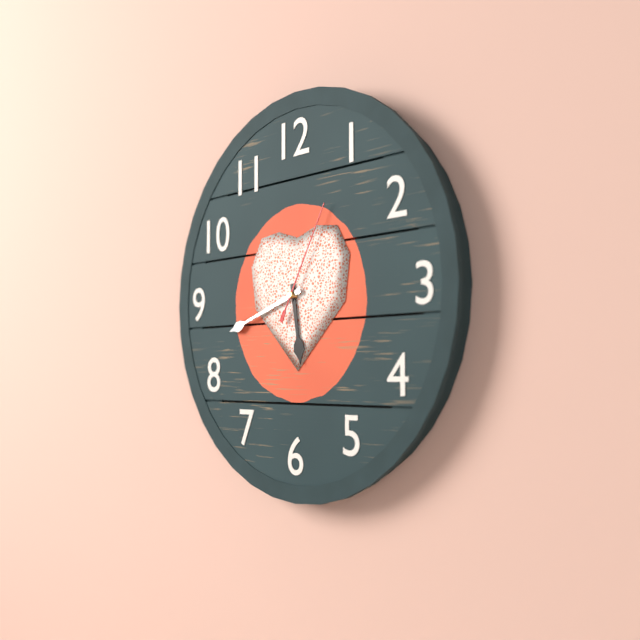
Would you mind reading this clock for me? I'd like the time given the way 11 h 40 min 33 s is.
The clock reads 5 h 42 min 05 s
